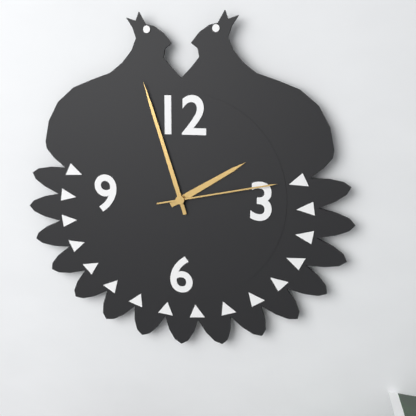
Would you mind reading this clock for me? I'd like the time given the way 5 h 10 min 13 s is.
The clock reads 1 h 57 min 13 s
